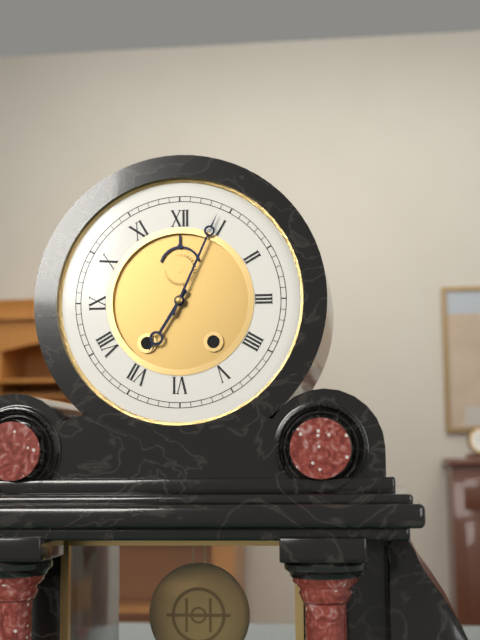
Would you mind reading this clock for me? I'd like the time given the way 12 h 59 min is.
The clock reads 7 h 04 min
